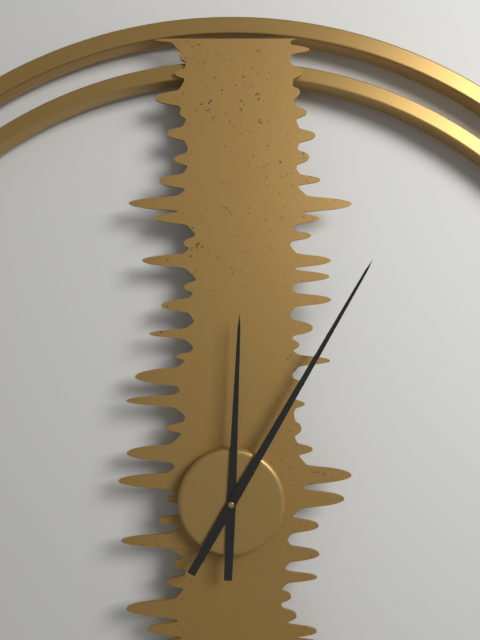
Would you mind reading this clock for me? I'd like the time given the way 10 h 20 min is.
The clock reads 12 h 05 min
